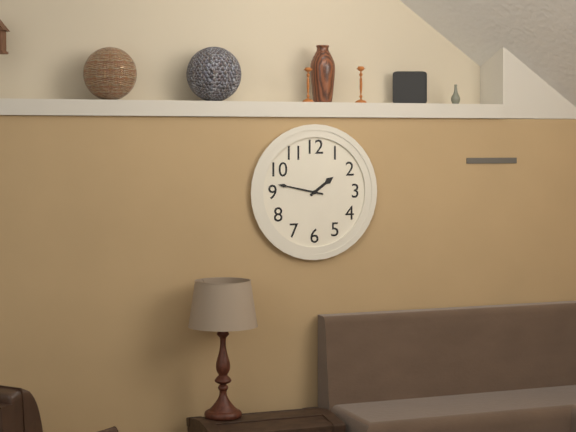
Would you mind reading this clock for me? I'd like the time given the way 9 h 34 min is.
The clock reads 1 h 47 min
